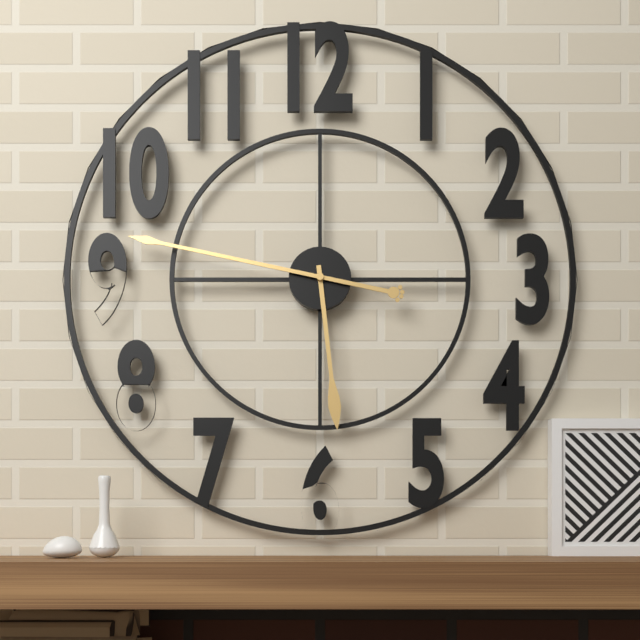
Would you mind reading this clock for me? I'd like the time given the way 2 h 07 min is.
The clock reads 5 h 47 min
